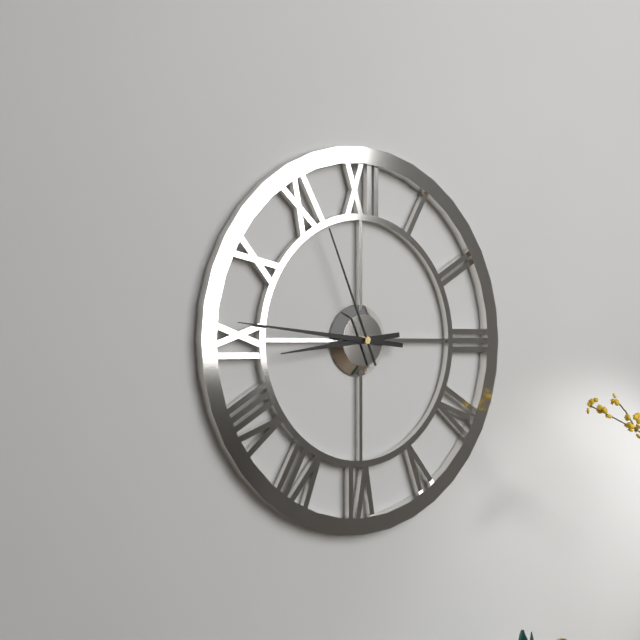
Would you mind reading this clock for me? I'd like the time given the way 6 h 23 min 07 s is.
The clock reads 8 h 46 min 56 s
